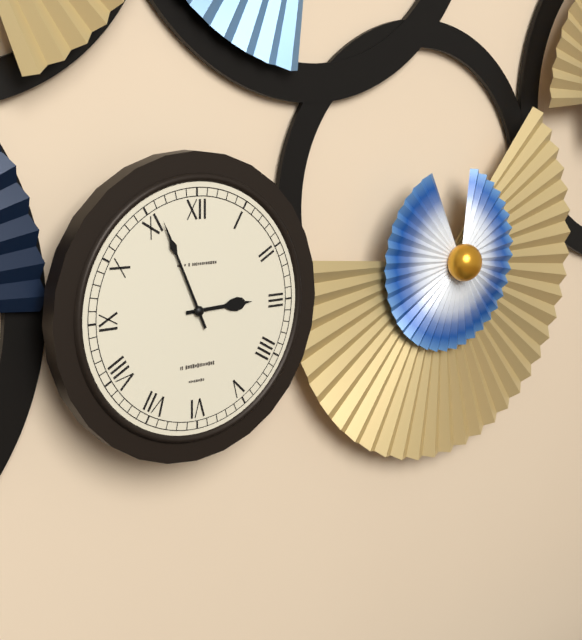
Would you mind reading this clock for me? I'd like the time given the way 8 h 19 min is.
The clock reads 2 h 56 min
